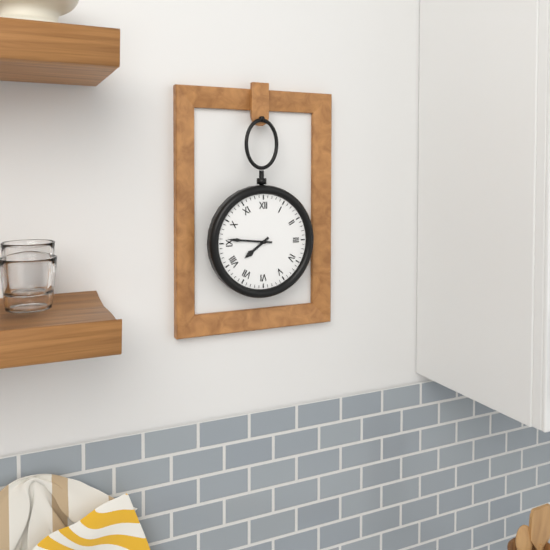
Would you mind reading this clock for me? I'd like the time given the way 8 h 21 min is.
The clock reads 7 h 46 min
